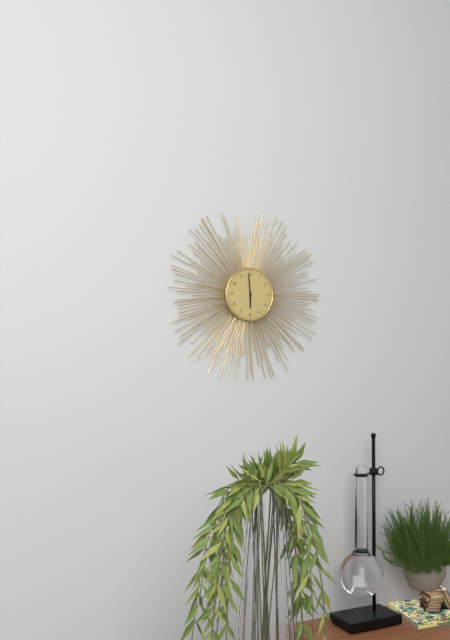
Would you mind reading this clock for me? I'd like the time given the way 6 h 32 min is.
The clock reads 5 h 59 min
